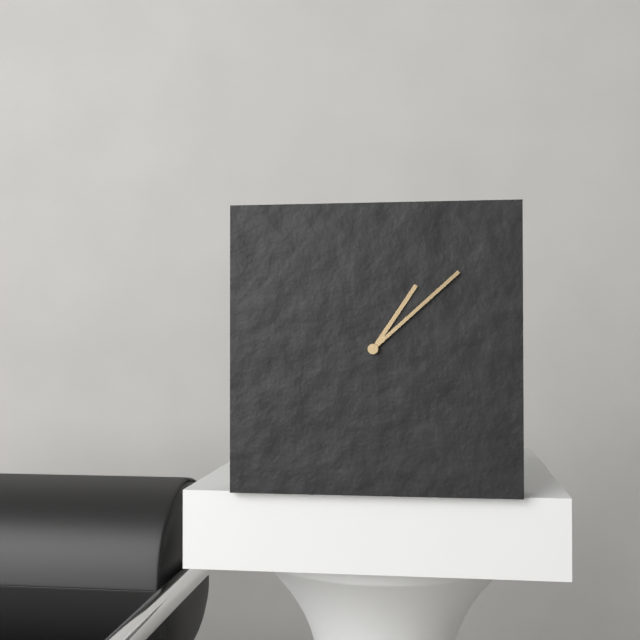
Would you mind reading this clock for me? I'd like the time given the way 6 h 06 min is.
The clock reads 1 h 08 min
